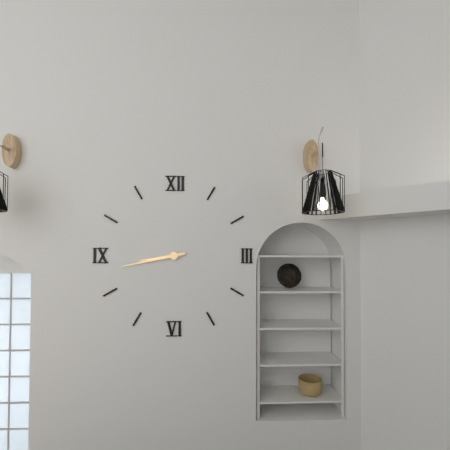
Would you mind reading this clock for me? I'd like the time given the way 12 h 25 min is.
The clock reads 8 h 43 min
